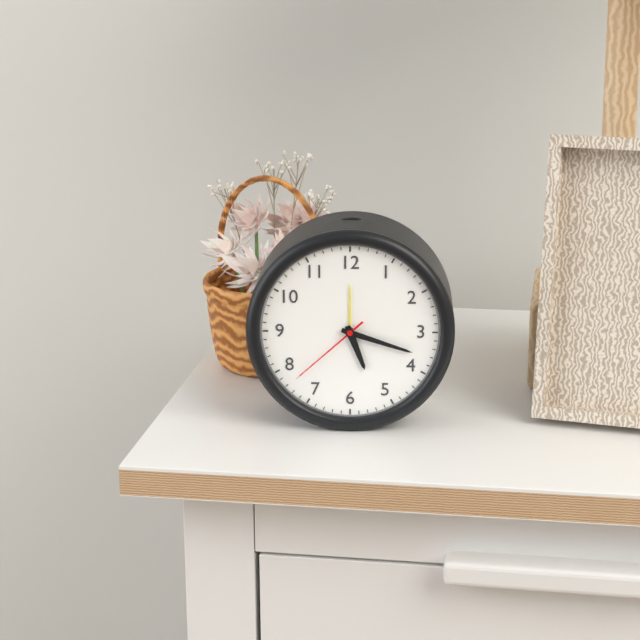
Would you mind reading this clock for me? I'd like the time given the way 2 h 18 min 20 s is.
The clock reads 5 h 18 min 38 s
